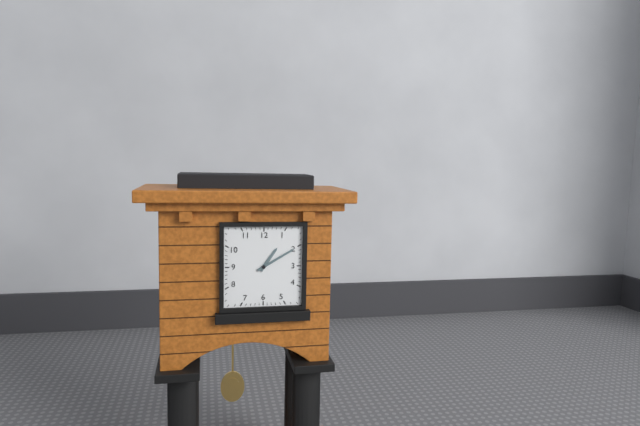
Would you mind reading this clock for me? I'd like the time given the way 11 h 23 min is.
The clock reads 1 h 10 min
